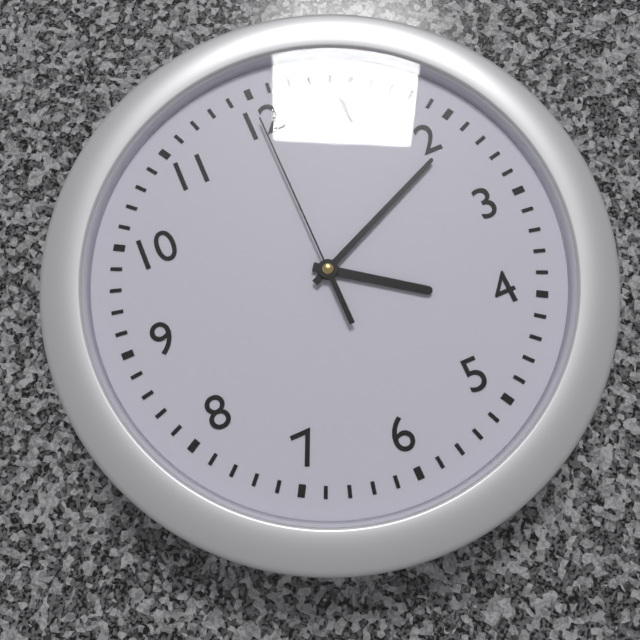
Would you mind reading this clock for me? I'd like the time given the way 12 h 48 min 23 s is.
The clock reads 4 h 11 min 00 s
